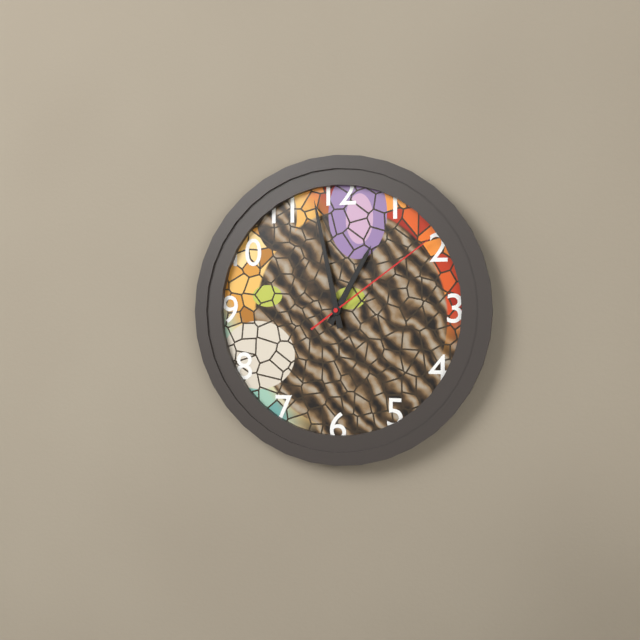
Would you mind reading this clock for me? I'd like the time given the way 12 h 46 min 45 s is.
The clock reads 12 h 58 min 09 s
